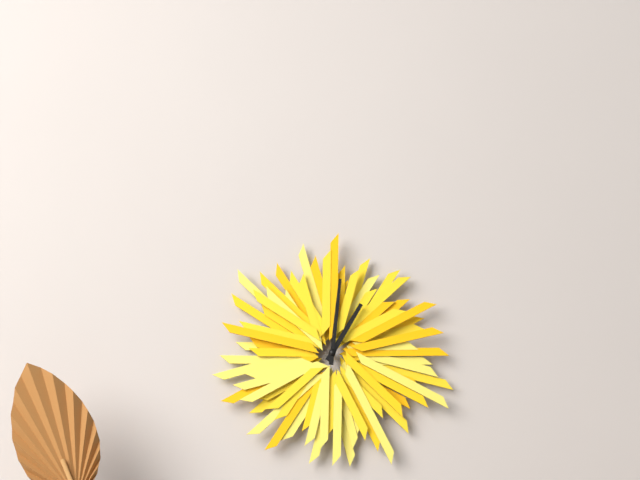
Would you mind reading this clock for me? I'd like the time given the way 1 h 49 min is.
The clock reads 1 h 01 min
